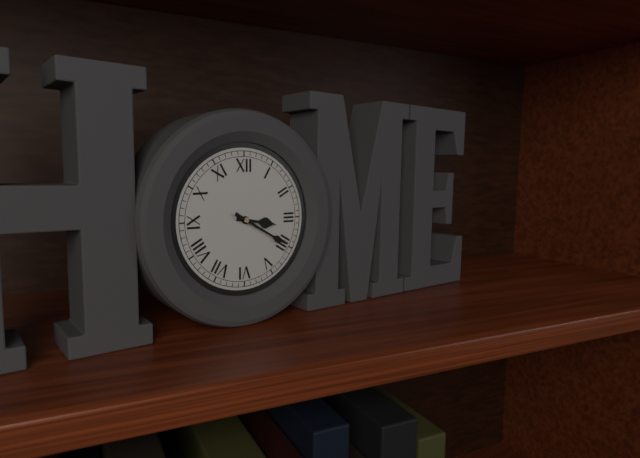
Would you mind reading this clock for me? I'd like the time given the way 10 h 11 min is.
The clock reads 3 h 20 min
